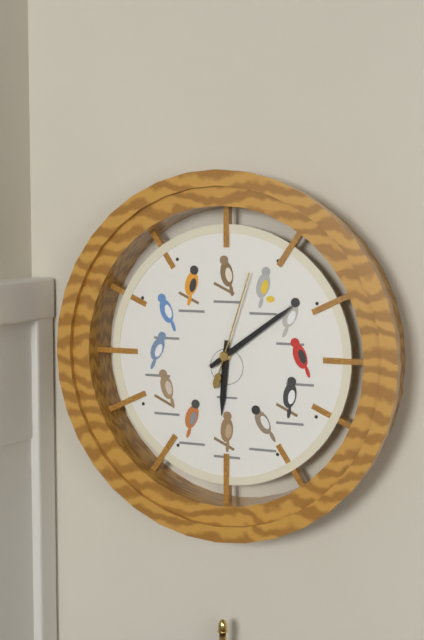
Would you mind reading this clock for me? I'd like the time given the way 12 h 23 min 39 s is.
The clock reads 6 h 09 min 03 s
